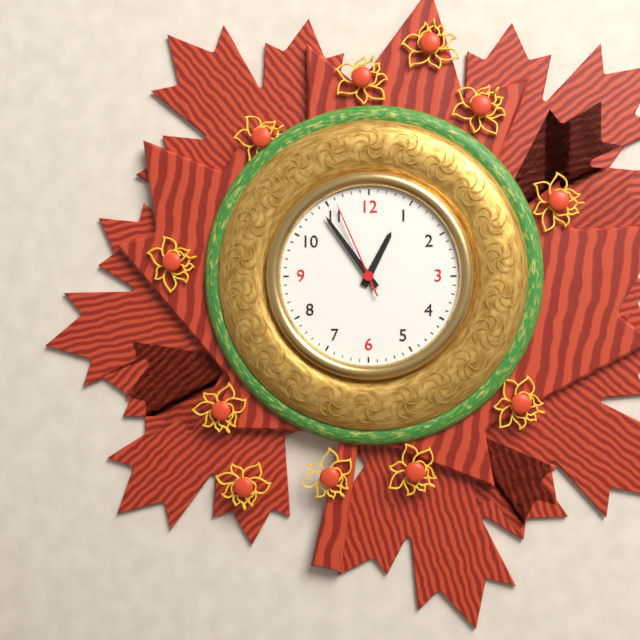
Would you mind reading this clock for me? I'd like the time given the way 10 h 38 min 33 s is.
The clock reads 12 h 54 min 56 s
